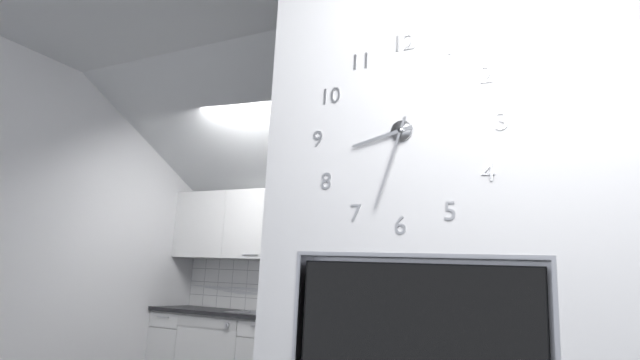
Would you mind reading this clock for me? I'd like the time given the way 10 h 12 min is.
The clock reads 8 h 33 min
